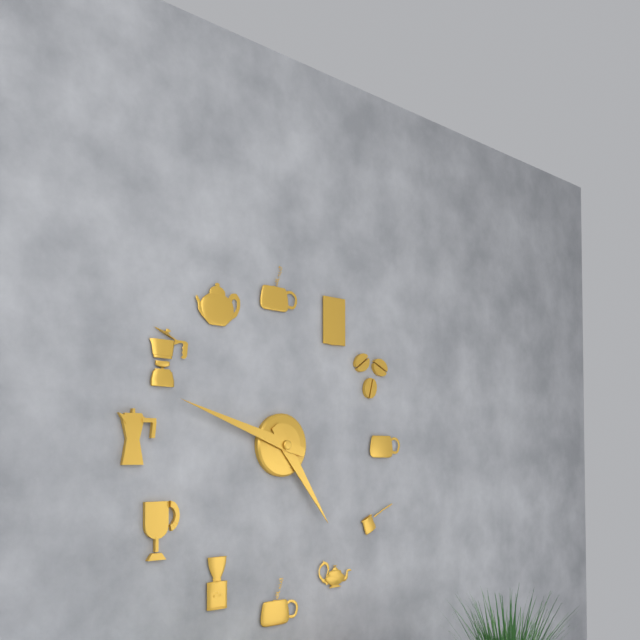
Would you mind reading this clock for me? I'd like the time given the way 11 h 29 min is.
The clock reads 4 h 48 min
